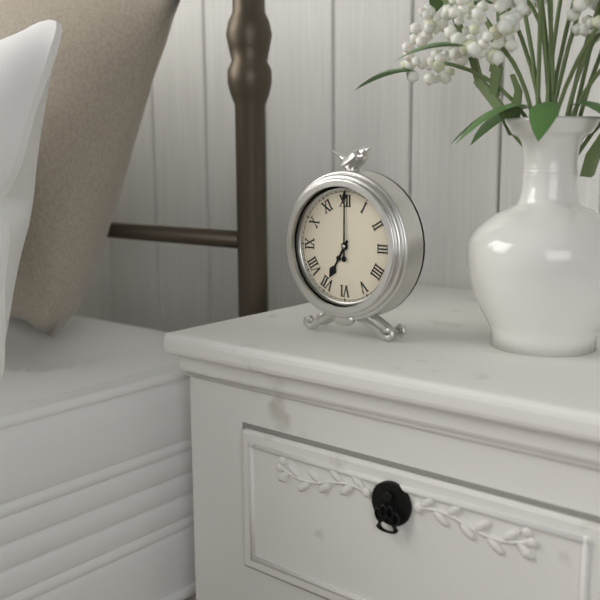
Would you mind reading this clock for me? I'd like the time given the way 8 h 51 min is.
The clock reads 7 h 00 min
